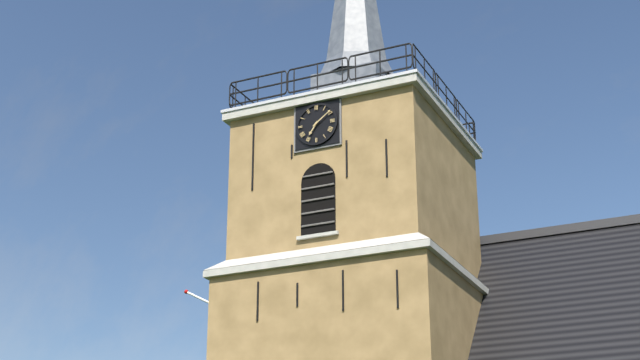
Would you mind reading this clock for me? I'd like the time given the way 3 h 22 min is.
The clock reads 7 h 09 min
